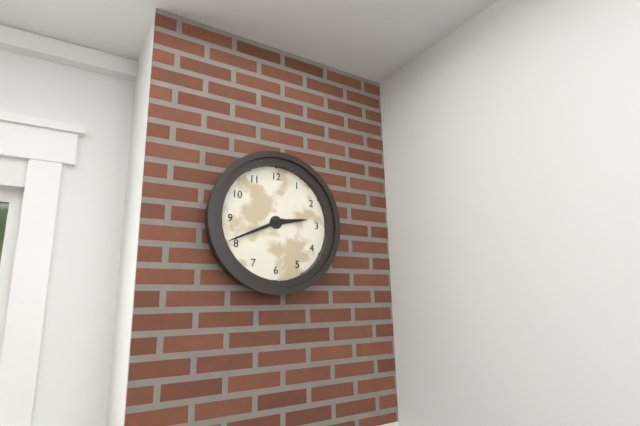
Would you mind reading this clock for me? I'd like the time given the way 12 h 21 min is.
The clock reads 2 h 41 min
